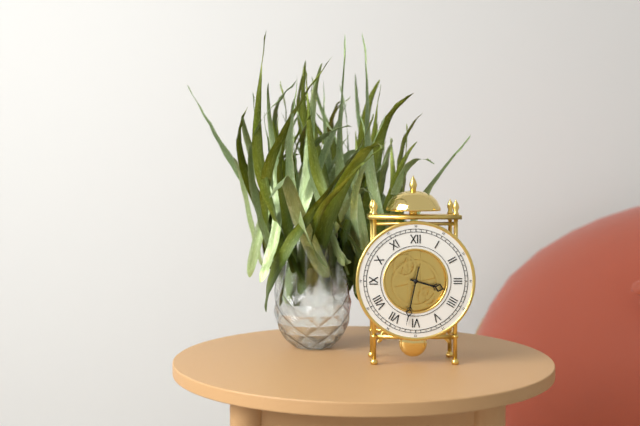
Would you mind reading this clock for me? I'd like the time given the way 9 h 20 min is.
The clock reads 3 h 32 min
